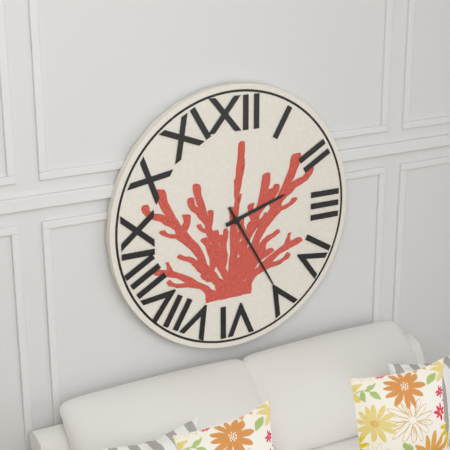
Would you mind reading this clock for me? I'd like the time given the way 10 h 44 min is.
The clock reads 2 h 25 min
